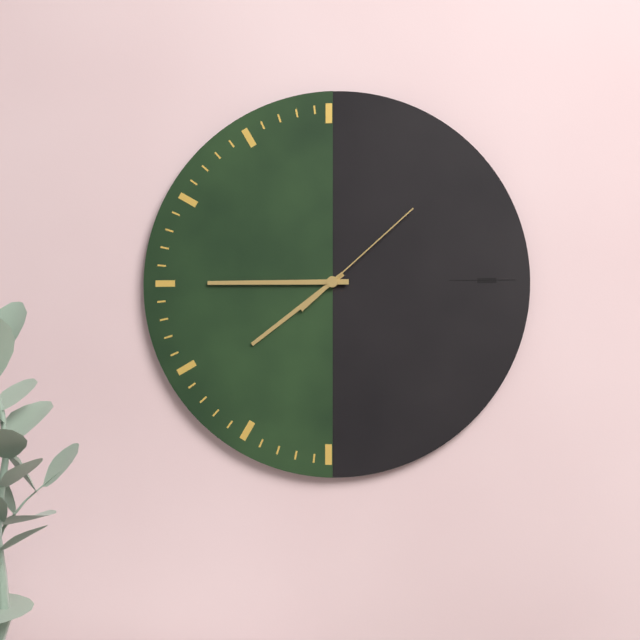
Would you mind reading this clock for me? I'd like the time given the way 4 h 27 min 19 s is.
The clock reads 7 h 45 min 08 s
